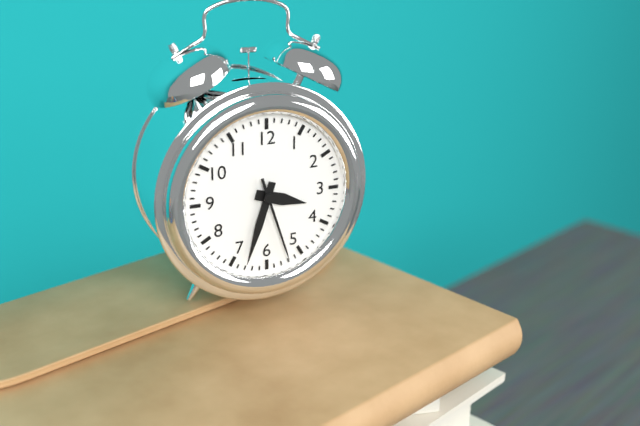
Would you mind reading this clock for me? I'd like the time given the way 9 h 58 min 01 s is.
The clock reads 3 h 33 min 27 s
